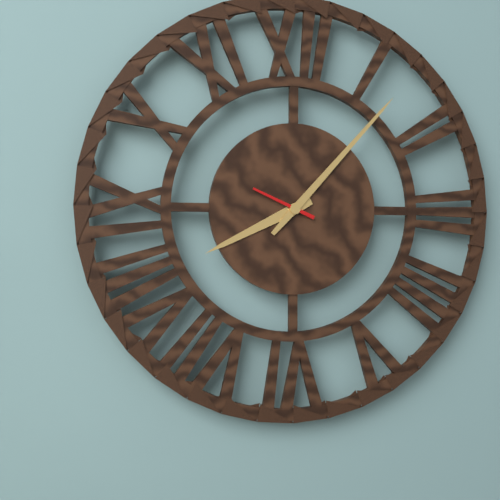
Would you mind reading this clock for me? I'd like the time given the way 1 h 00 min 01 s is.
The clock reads 8 h 07 min 49 s
